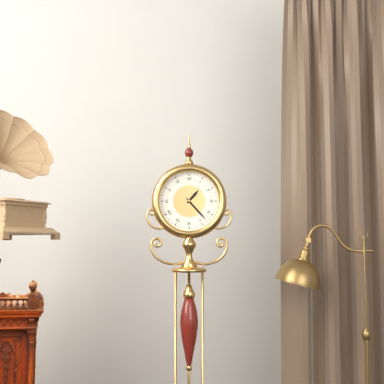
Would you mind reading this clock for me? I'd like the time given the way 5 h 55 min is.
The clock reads 1 h 23 min
